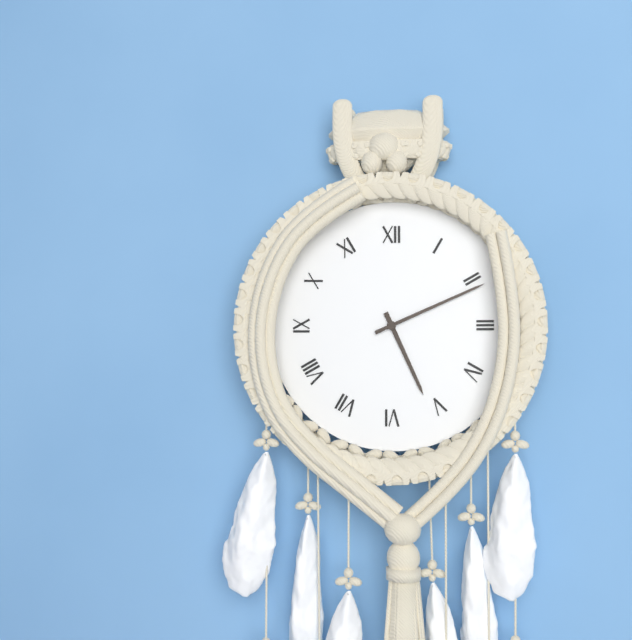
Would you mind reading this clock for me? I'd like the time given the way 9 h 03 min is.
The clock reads 5 h 11 min
